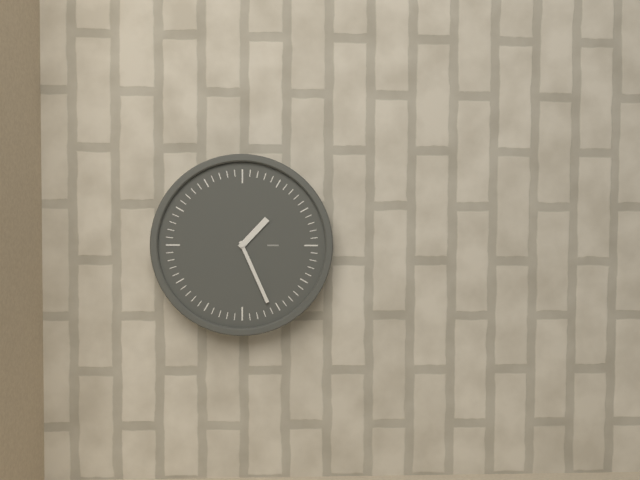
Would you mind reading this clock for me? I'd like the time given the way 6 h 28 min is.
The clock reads 1 h 26 min
